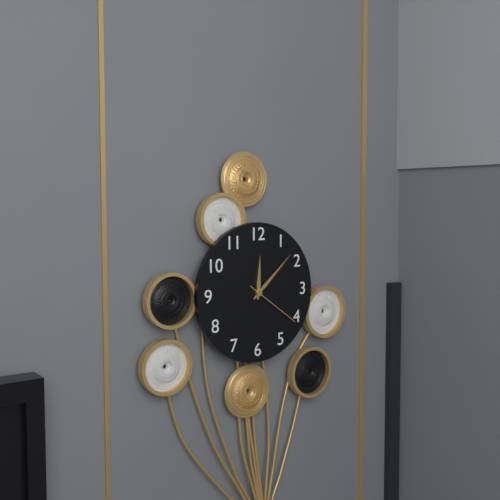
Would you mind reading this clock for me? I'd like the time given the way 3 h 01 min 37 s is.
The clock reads 12 h 08 min 21 s
